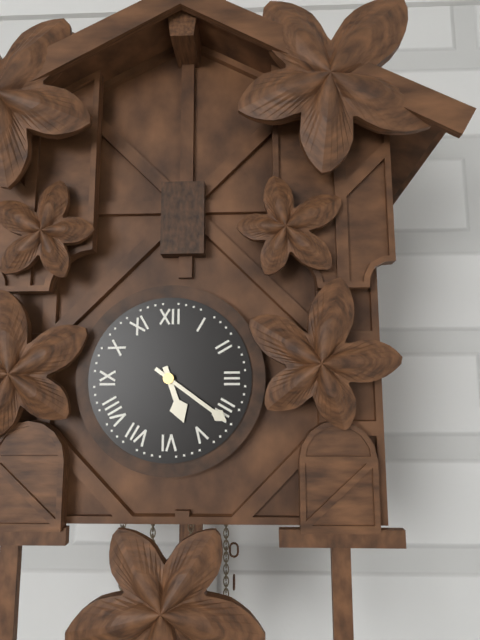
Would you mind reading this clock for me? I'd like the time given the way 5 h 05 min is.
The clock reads 5 h 21 min
